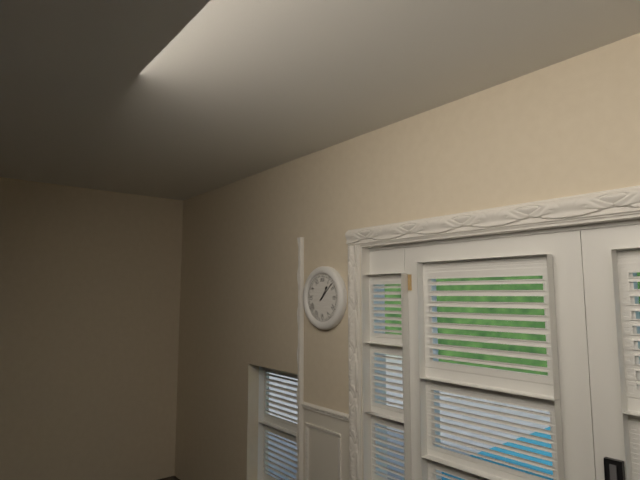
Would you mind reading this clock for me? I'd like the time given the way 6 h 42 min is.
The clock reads 1 h 08 min
